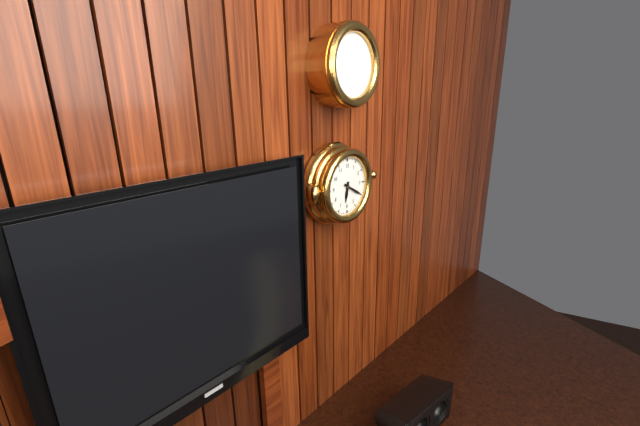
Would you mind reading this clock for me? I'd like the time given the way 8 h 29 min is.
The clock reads 6 h 20 min
